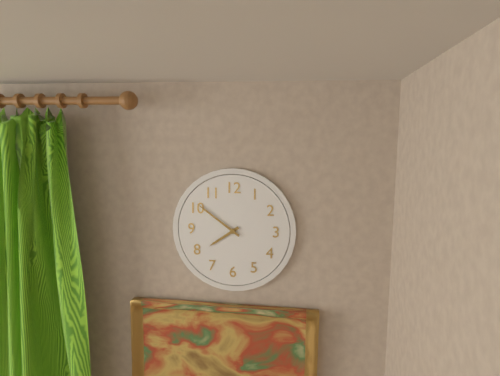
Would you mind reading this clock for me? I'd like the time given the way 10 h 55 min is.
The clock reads 7 h 51 min
